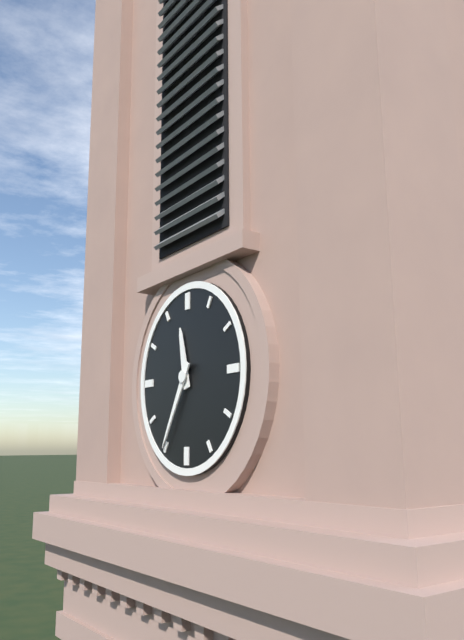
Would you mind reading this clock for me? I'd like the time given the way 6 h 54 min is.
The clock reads 11 h 35 min
